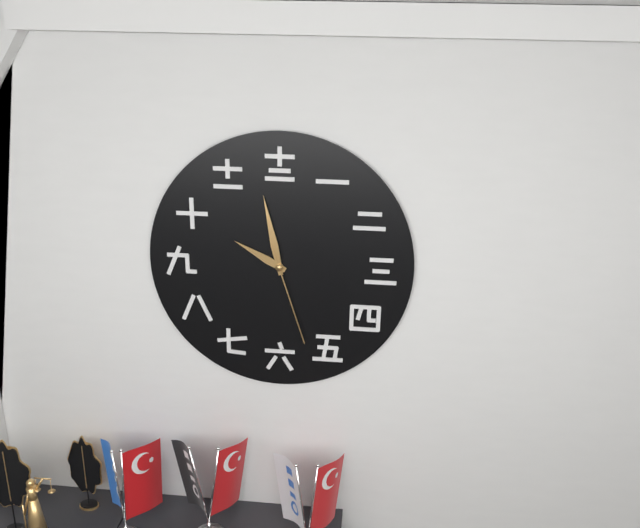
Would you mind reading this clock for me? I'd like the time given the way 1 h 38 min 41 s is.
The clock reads 9 h 58 min 27 s
